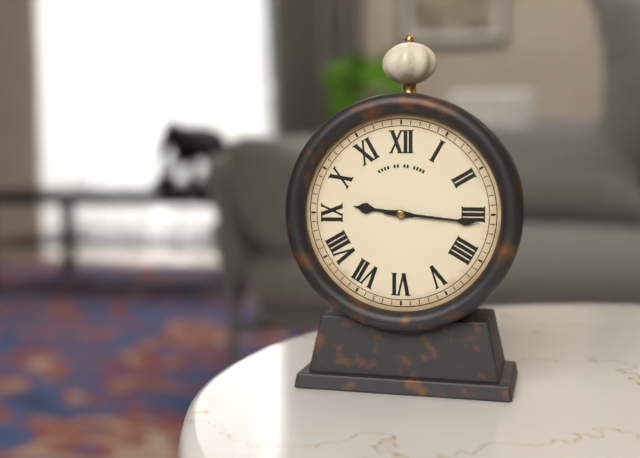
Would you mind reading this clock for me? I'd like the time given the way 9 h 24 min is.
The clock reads 9 h 16 min
